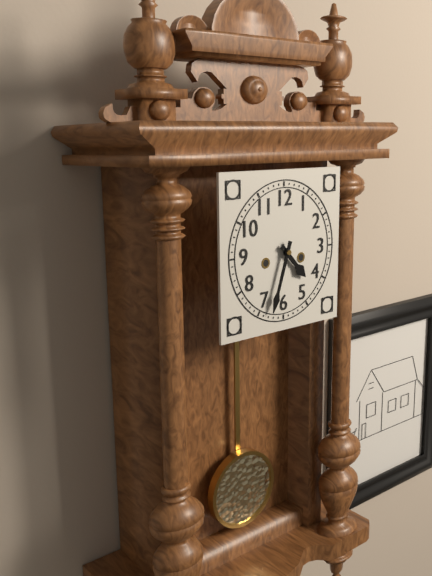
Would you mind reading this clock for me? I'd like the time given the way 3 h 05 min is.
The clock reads 4 h 33 min
